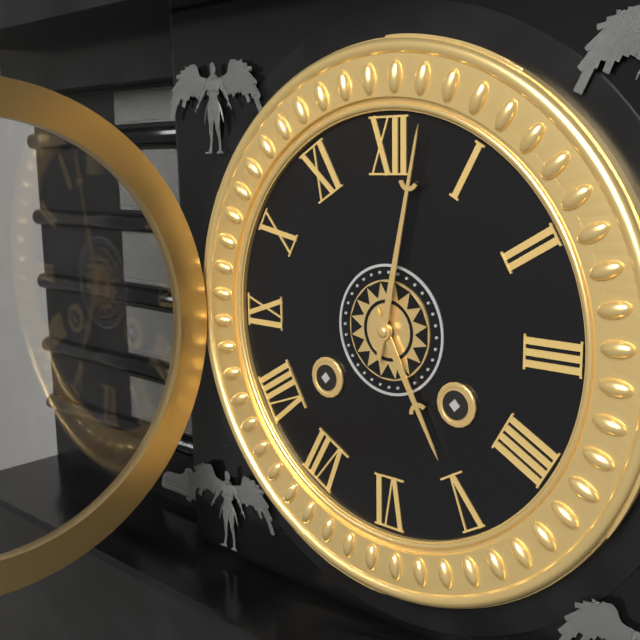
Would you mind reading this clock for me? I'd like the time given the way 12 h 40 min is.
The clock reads 5 h 02 min
